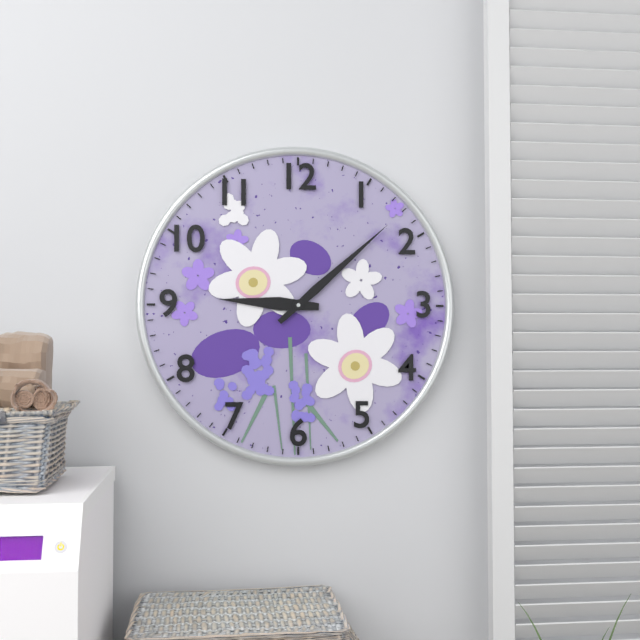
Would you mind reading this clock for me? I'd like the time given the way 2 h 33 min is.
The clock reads 9 h 08 min
